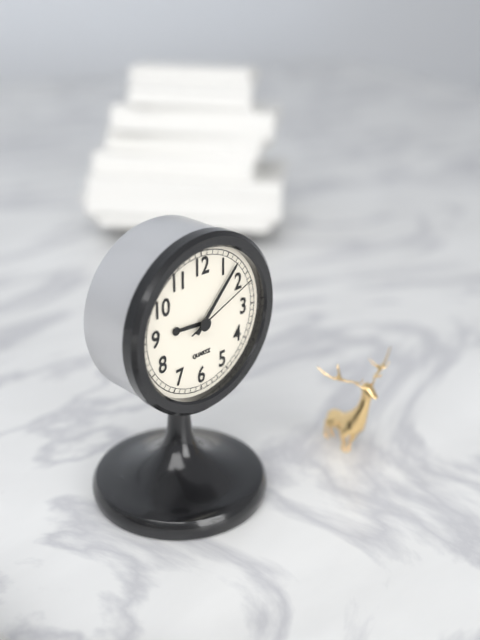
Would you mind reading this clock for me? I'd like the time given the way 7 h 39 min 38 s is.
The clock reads 9 h 07 min 11 s
